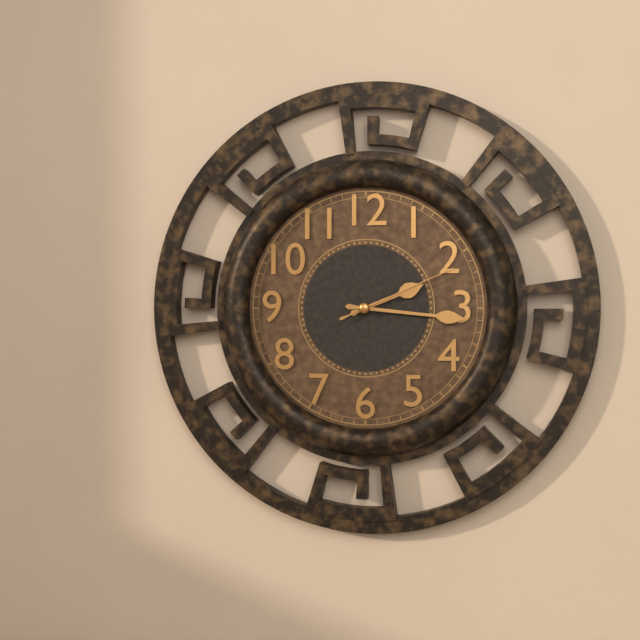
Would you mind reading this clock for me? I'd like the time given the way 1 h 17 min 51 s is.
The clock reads 2 h 16 min 11 s
